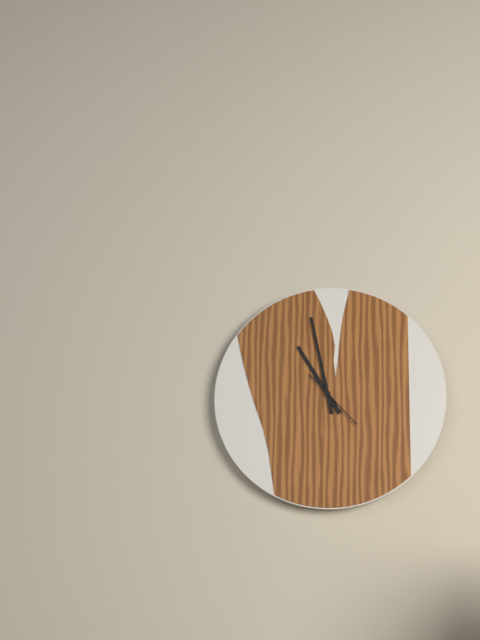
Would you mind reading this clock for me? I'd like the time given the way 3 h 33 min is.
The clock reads 10 h 58 min
